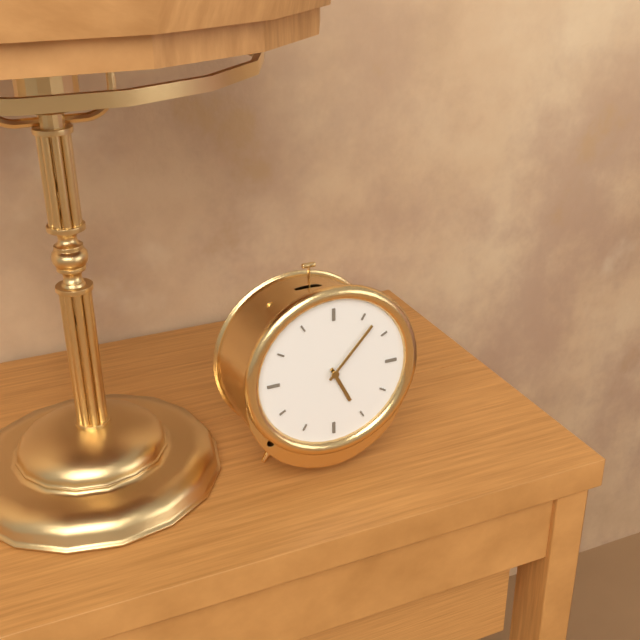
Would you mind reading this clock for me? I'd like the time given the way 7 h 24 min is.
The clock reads 5 h 07 min
